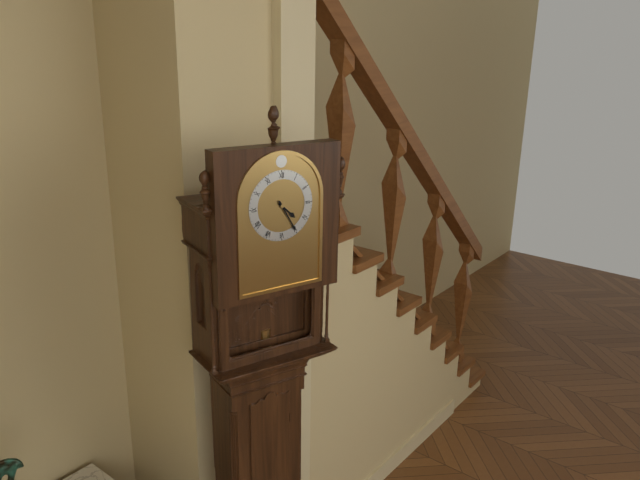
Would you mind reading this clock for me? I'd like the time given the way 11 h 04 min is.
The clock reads 4 h 25 min
